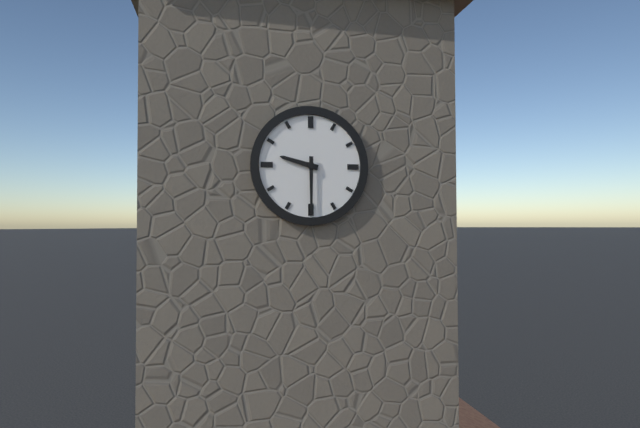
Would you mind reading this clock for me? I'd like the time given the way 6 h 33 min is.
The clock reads 9 h 30 min
